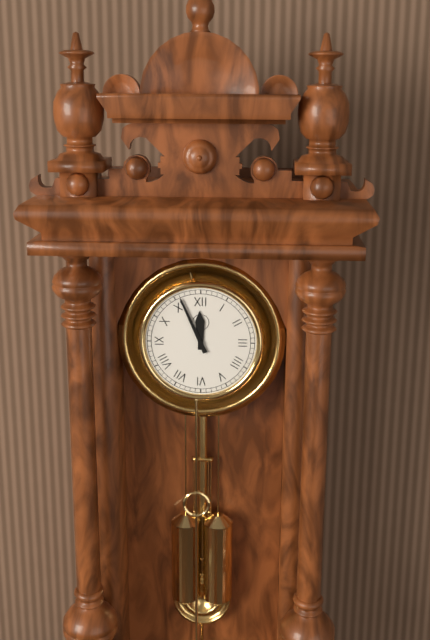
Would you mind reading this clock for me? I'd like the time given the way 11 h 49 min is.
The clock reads 11 h 56 min
